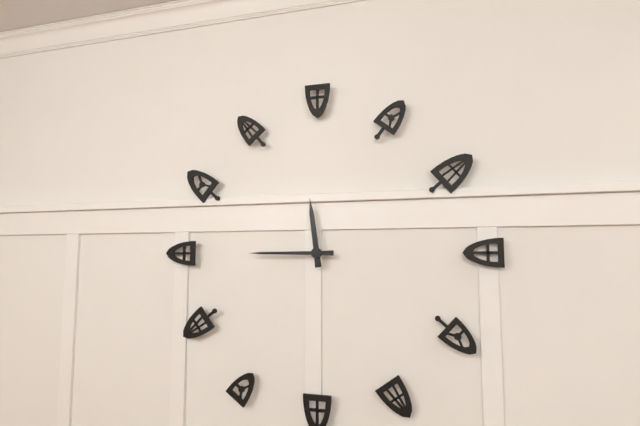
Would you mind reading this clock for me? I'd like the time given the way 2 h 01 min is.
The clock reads 11 h 45 min
